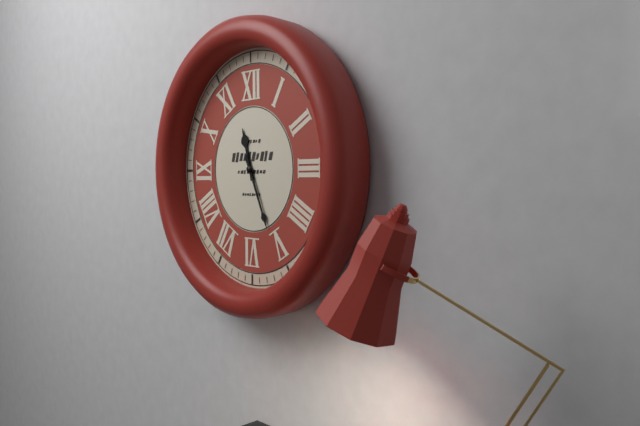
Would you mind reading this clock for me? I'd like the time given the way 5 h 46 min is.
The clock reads 11 h 26 min
